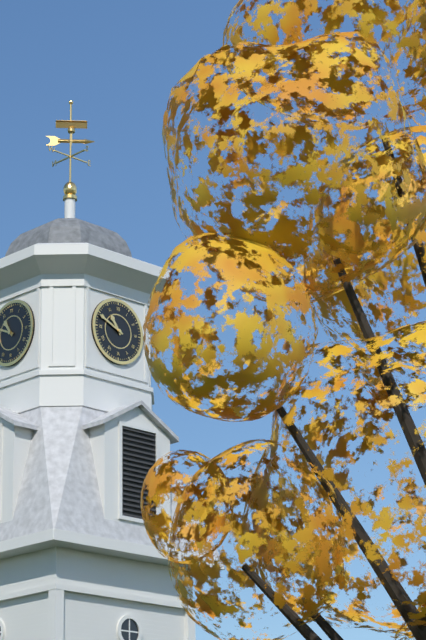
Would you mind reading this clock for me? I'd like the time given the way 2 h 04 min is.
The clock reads 10 h 49 min
